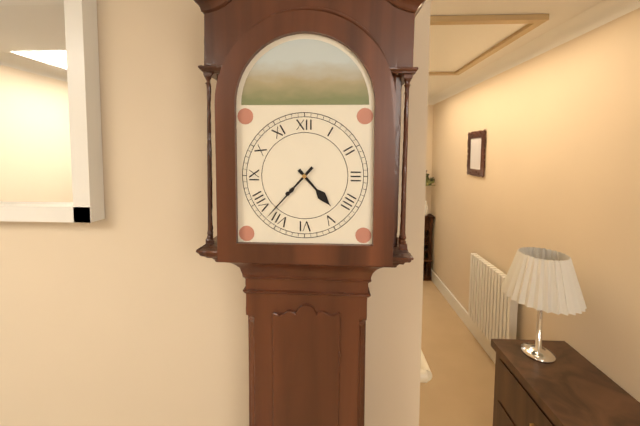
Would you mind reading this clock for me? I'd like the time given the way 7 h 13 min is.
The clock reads 4 h 37 min
